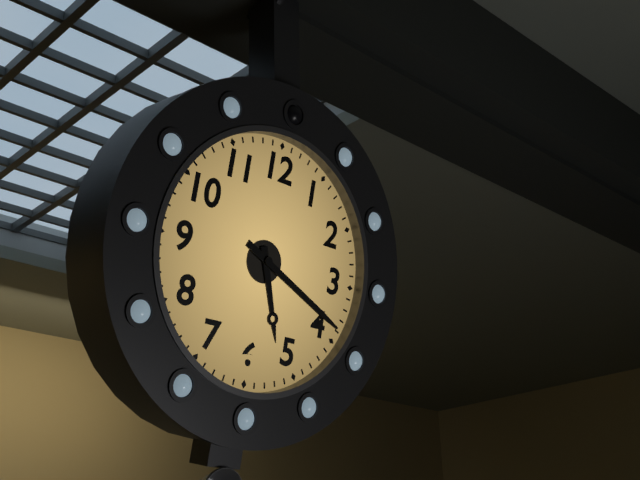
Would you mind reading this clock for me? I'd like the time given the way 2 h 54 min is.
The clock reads 5 h 19 min
